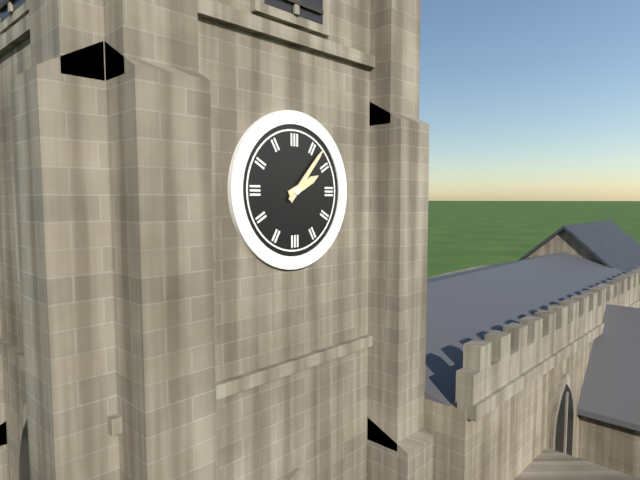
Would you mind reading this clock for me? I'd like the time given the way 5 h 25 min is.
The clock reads 2 h 07 min
